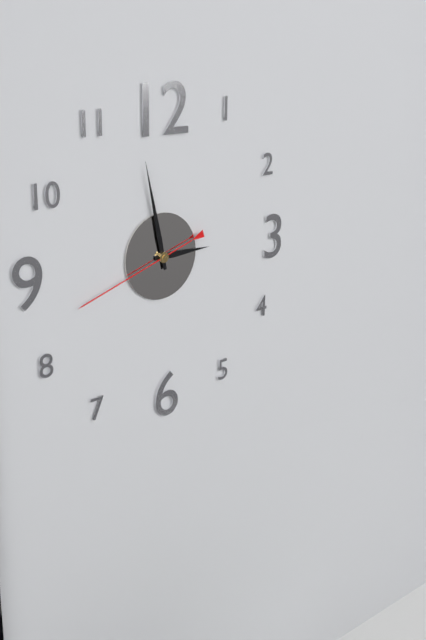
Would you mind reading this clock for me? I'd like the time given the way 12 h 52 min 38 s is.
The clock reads 2 h 58 min 42 s
